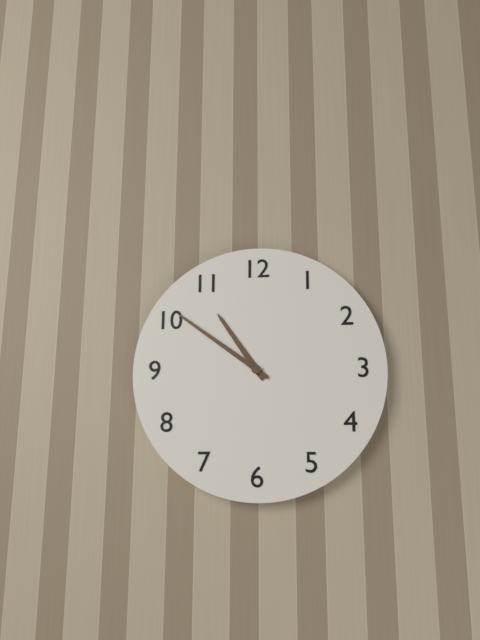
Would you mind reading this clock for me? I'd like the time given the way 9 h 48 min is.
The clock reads 10 h 51 min
